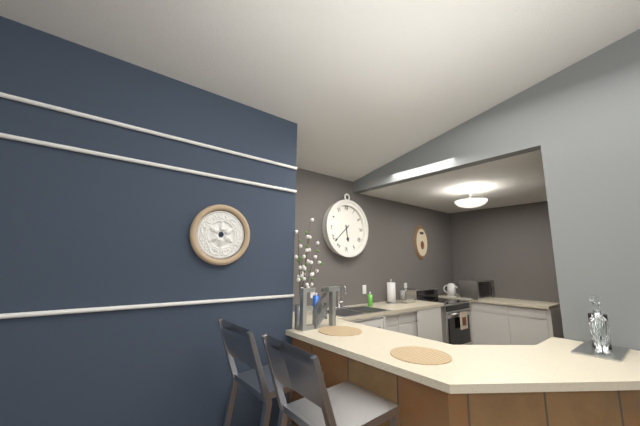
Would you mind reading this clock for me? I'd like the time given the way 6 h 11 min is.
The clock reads 5 h 38 min
